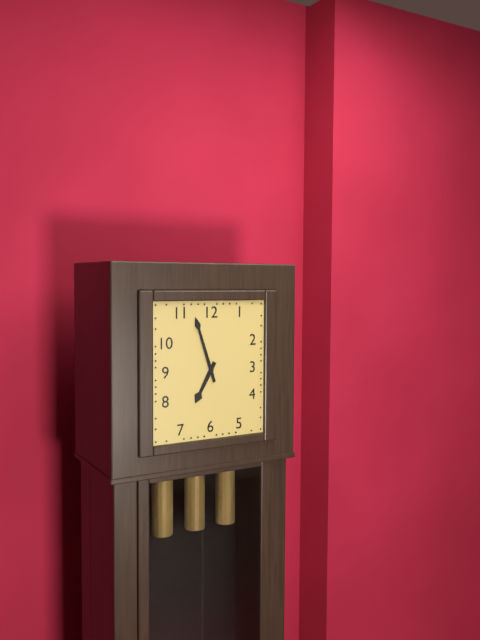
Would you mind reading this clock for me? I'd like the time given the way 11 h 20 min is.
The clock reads 6 h 57 min
